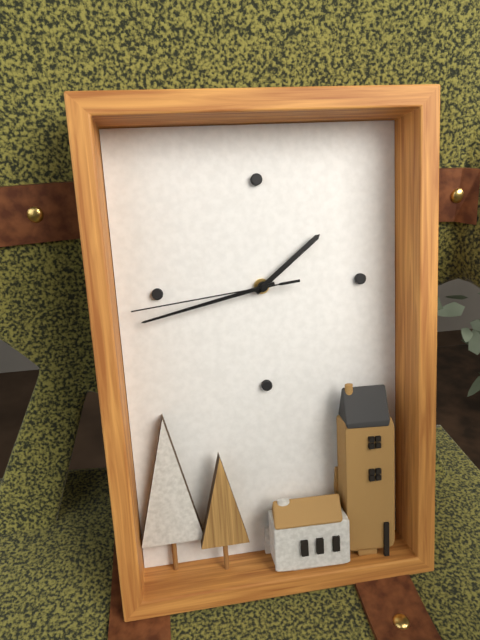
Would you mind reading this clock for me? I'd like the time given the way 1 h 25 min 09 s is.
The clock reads 1 h 43 min 44 s
